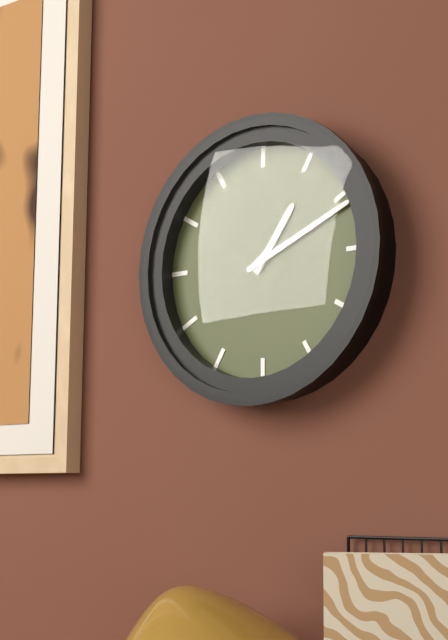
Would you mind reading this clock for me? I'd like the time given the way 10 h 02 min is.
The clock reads 1 h 11 min
